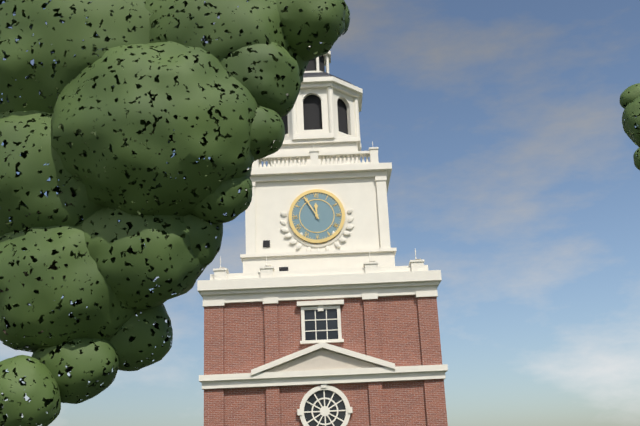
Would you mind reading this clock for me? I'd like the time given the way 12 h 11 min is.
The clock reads 11 h 55 min
